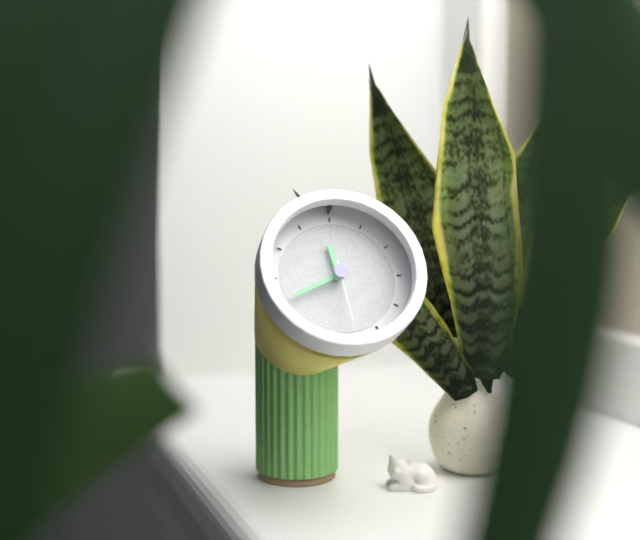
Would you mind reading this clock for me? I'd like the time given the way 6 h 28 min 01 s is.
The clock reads 11 h 41 min 29 s
